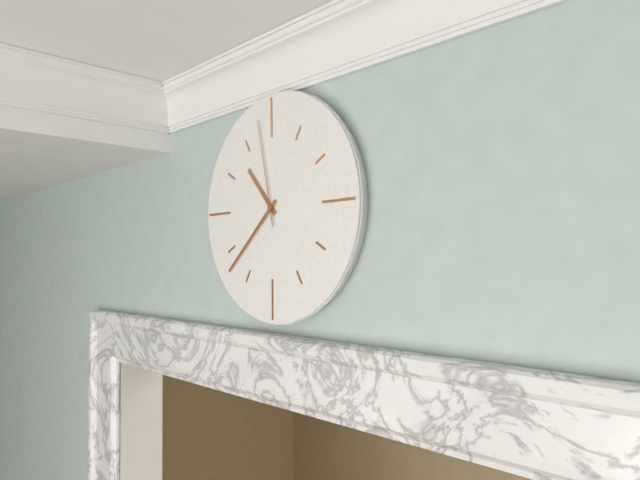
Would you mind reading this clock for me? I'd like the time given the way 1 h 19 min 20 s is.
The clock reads 10 h 38 min 58 s
